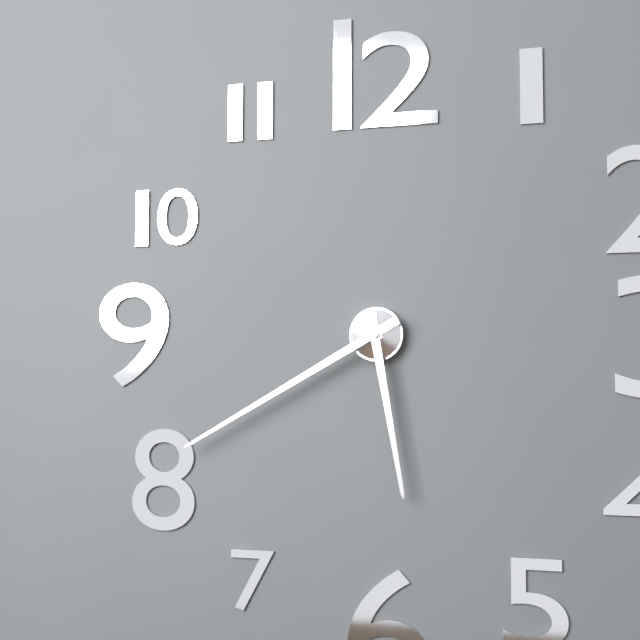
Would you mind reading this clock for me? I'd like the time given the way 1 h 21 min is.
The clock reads 5 h 40 min
